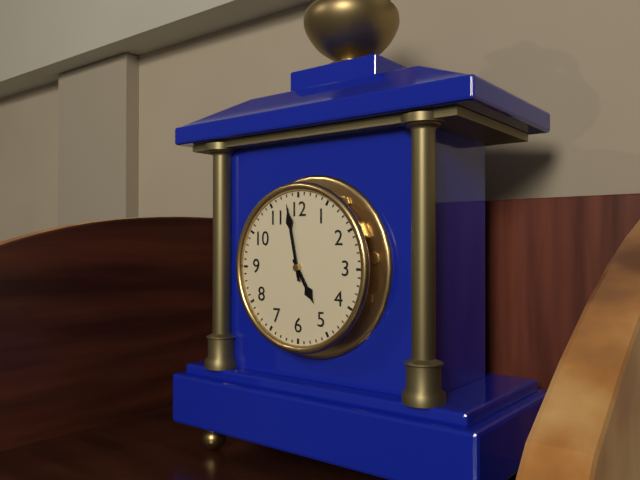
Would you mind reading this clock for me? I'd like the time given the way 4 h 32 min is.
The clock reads 4 h 58 min
